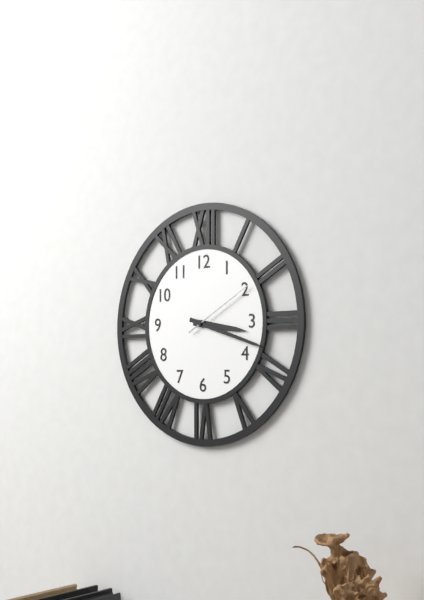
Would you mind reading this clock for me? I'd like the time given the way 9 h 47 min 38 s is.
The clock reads 3 h 18 min 10 s
